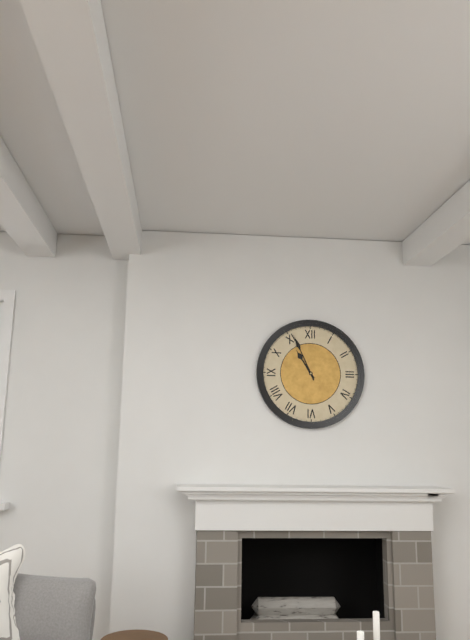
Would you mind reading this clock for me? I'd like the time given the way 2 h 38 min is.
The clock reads 10 h 56 min
